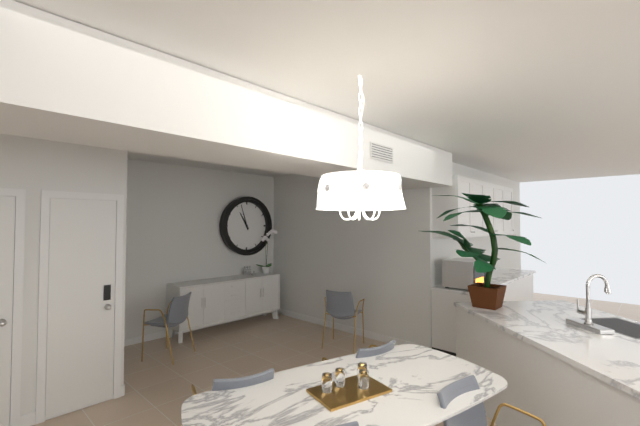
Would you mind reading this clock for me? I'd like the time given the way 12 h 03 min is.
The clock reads 10 h 57 min
